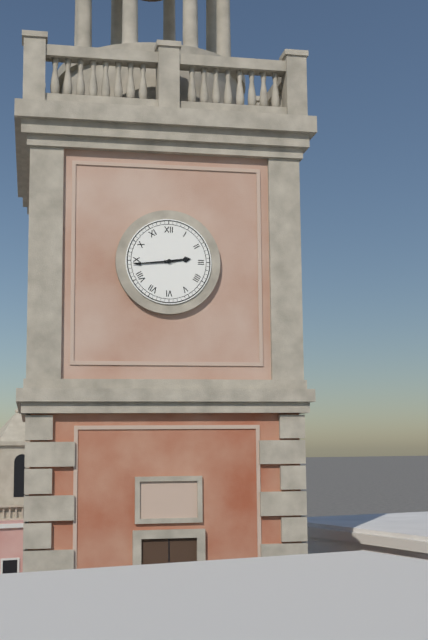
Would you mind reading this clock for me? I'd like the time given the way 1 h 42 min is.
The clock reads 2 h 44 min
